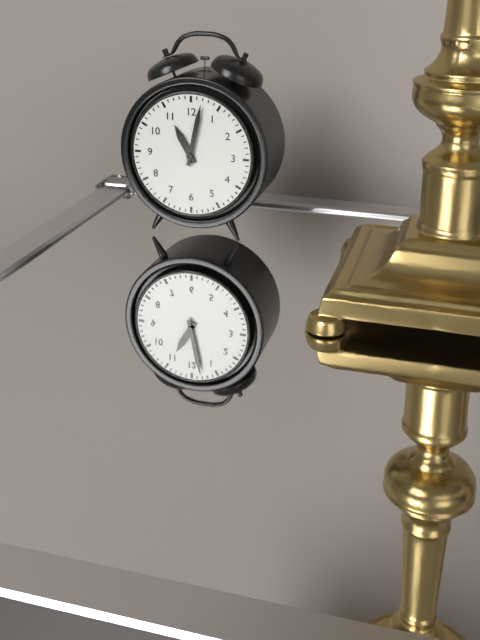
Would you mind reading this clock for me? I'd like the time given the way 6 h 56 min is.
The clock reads 11 h 02 min
